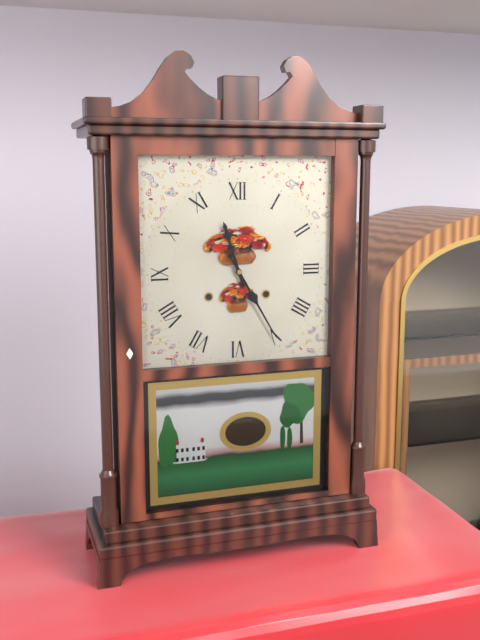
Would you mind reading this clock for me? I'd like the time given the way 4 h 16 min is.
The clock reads 11 h 25 min
